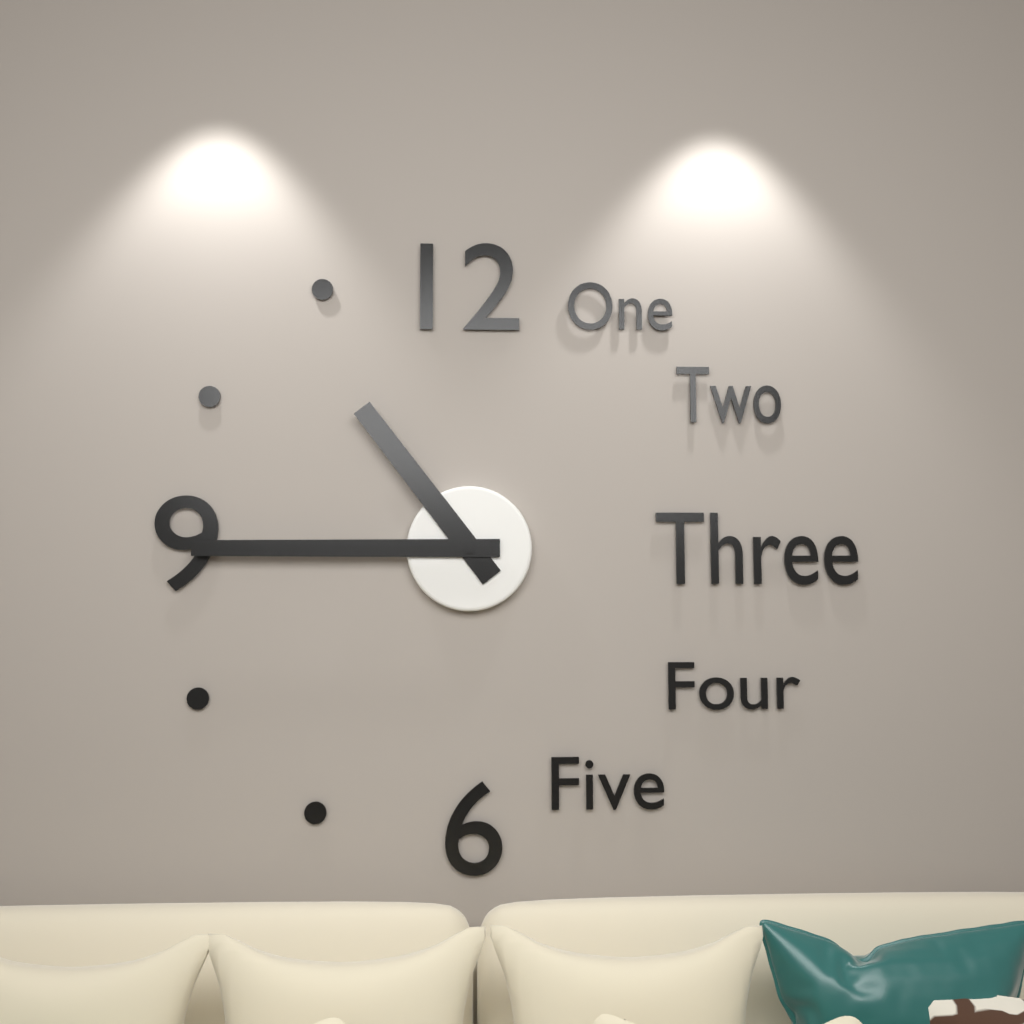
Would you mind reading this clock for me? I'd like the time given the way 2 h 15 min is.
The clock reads 10 h 45 min
